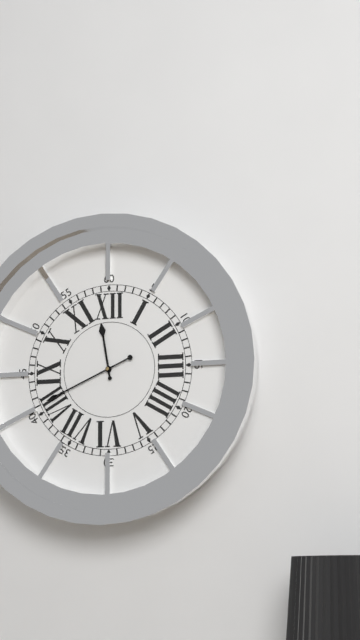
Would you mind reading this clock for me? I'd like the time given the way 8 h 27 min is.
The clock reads 11 h 41 min
